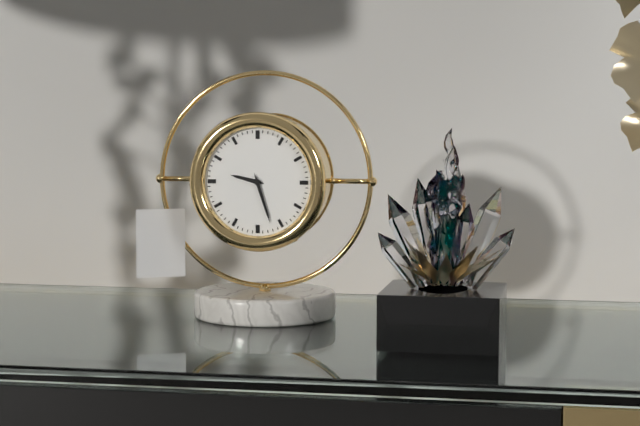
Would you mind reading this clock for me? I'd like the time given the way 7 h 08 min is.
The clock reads 9 h 27 min
